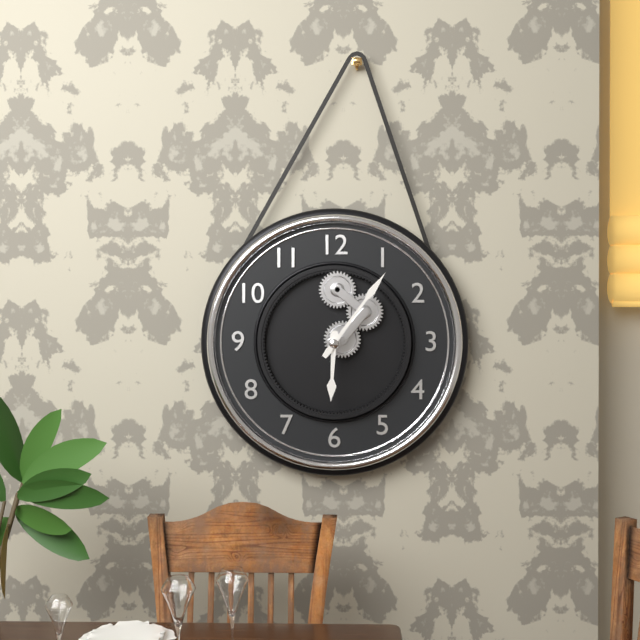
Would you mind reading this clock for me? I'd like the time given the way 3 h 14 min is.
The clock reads 6 h 06 min
